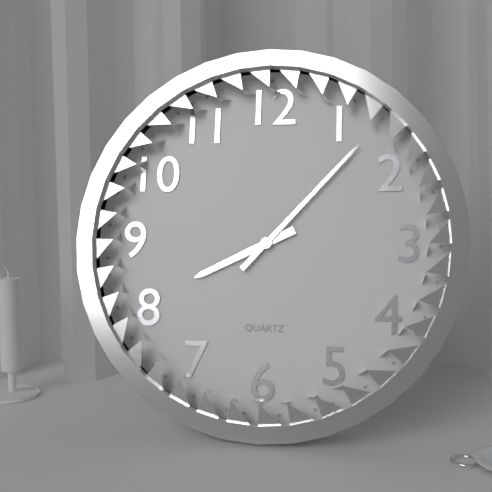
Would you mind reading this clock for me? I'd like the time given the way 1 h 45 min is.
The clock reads 8 h 07 min
